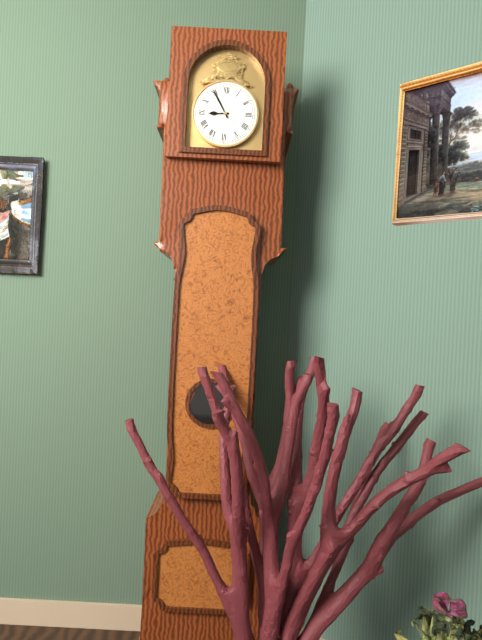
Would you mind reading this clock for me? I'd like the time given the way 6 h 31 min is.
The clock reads 8 h 55 min
